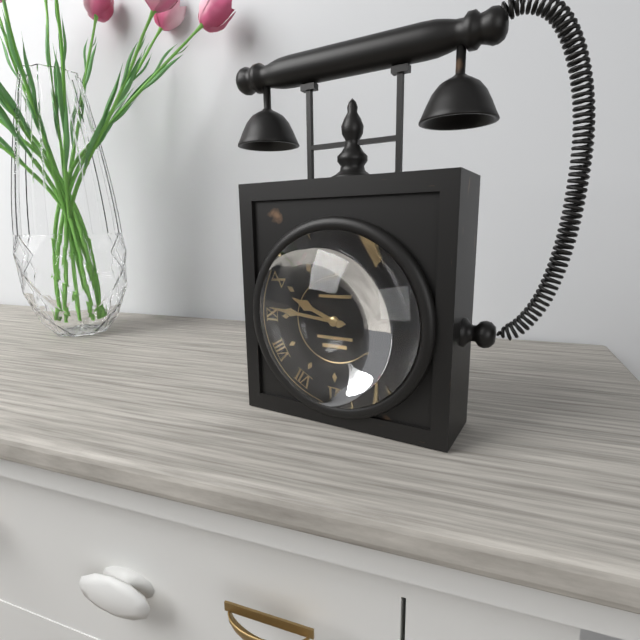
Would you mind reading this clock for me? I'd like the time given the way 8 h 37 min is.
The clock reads 9 h 46 min
